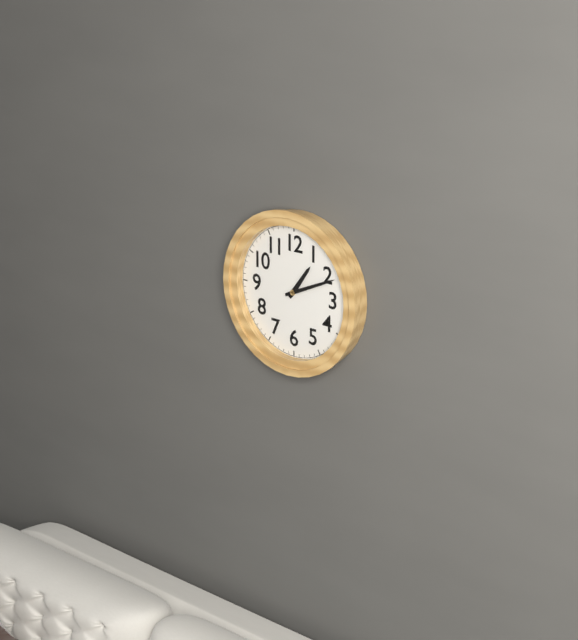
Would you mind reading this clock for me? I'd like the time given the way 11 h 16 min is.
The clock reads 1 h 11 min
